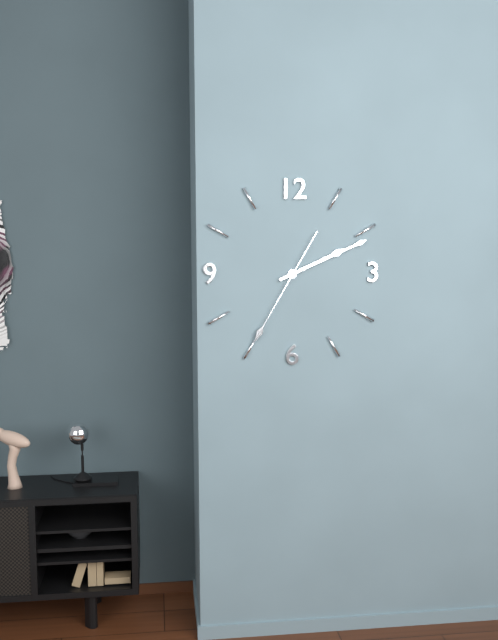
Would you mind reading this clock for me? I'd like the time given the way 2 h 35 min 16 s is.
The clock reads 2 h 11 min 35 s
